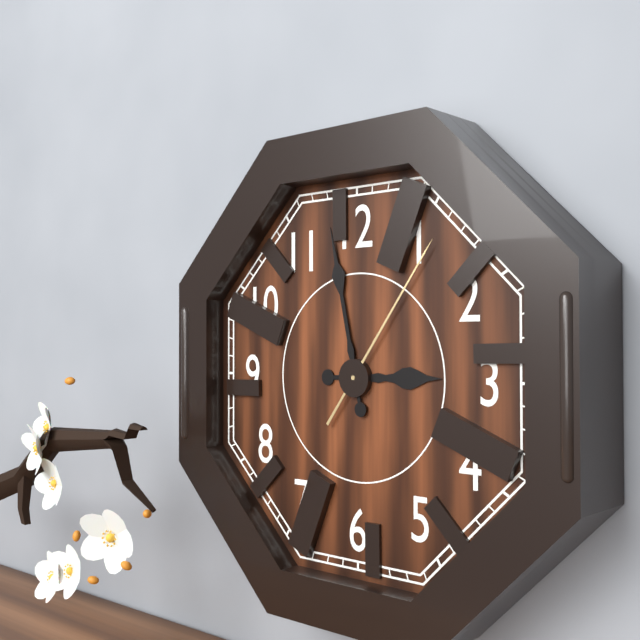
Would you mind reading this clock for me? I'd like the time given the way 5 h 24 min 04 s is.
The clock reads 2 h 58 min 06 s
